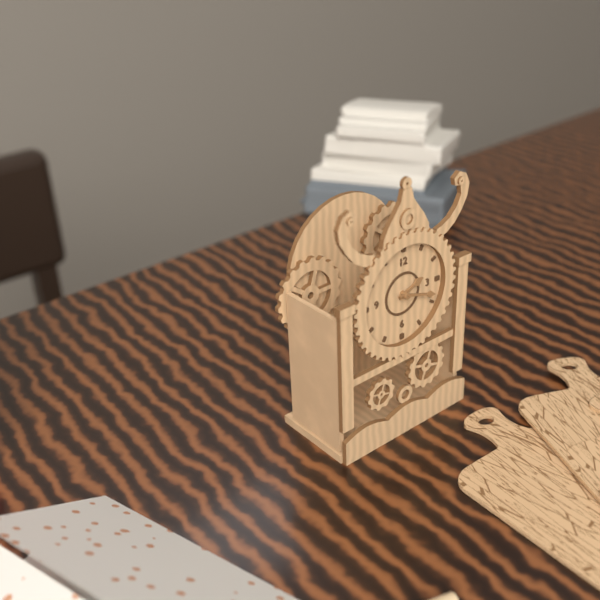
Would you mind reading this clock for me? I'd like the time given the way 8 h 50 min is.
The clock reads 2 h 18 min
